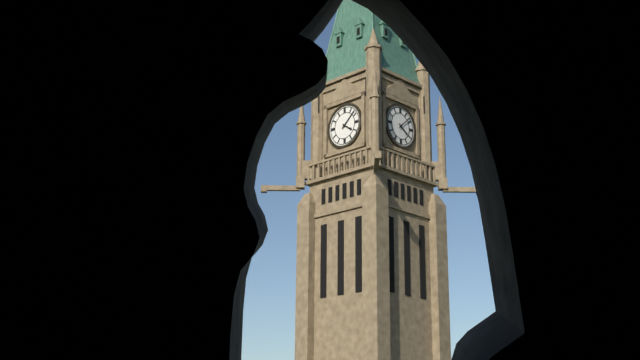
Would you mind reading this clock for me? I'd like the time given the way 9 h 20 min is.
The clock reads 4 h 08 min
